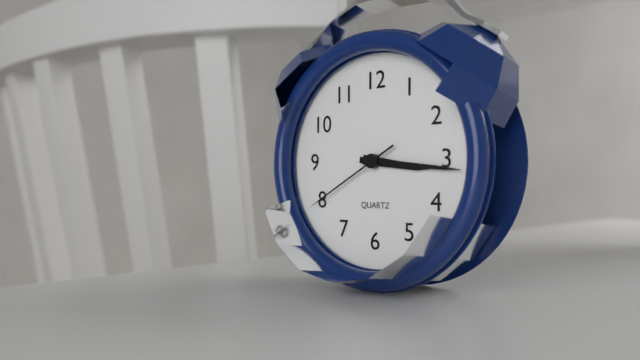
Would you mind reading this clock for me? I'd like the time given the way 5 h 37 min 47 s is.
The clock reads 3 h 16 min 40 s
